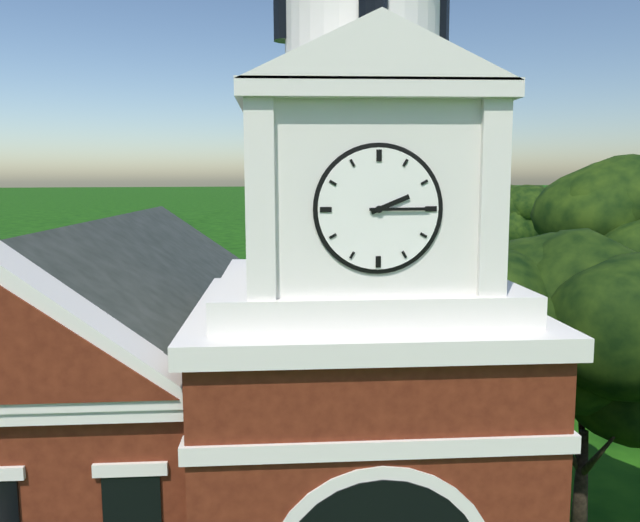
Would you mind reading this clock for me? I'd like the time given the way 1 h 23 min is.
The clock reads 2 h 15 min
